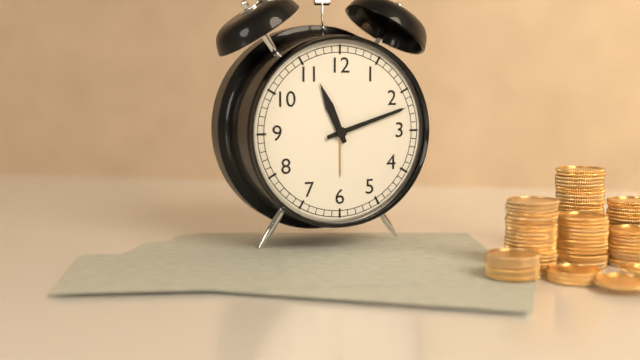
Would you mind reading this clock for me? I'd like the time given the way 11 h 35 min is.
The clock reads 11 h 12 min
